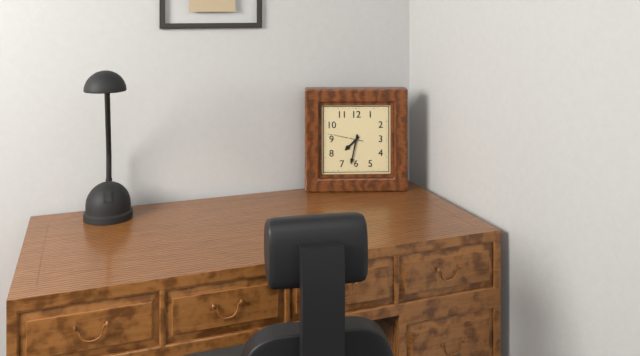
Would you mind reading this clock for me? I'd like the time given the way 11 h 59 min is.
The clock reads 7 h 32 min
